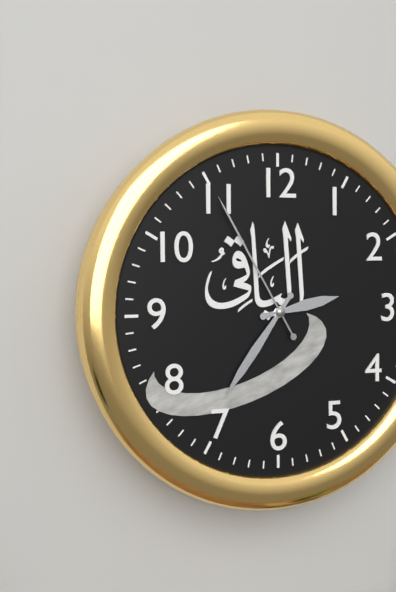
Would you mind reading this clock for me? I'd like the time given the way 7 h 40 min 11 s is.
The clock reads 2 h 36 min 55 s
